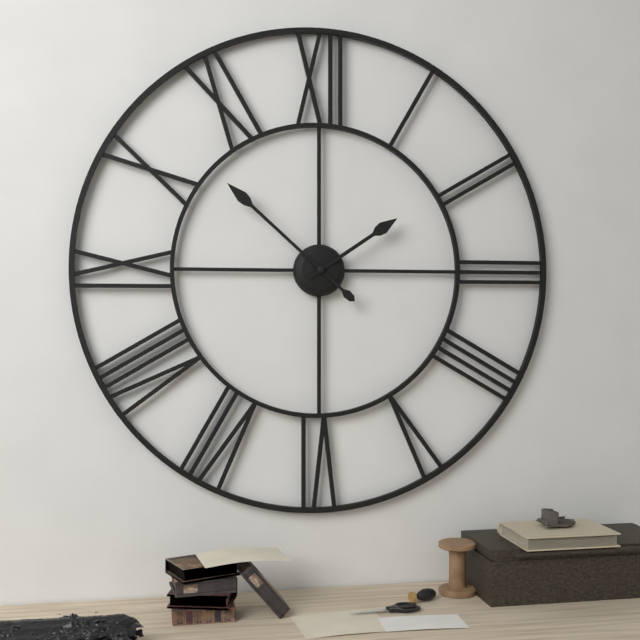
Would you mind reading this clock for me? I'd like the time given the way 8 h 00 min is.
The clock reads 1 h 52 min
